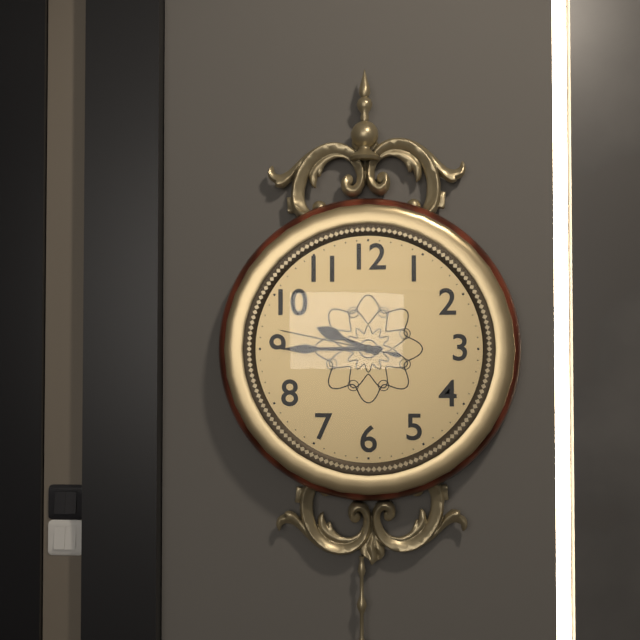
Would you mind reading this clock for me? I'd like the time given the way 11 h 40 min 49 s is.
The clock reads 9 h 45 min 47 s
